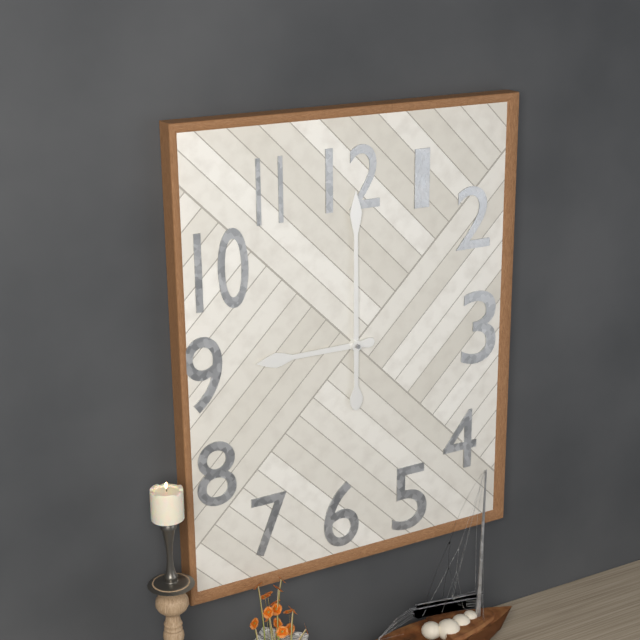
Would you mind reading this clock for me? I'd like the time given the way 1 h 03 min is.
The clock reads 9 h 00 min
